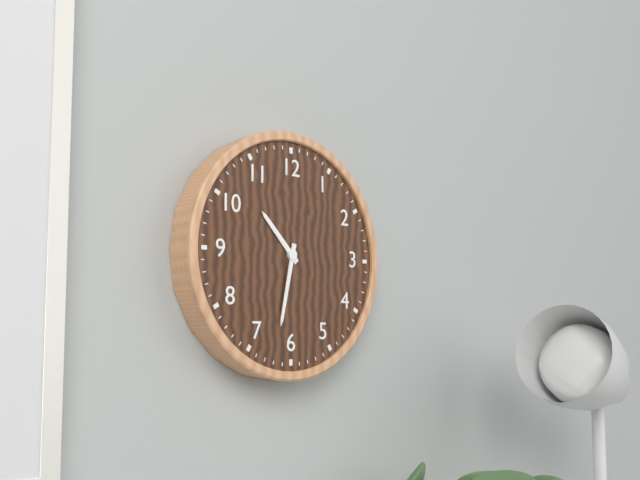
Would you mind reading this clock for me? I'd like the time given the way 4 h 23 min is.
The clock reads 10 h 32 min
